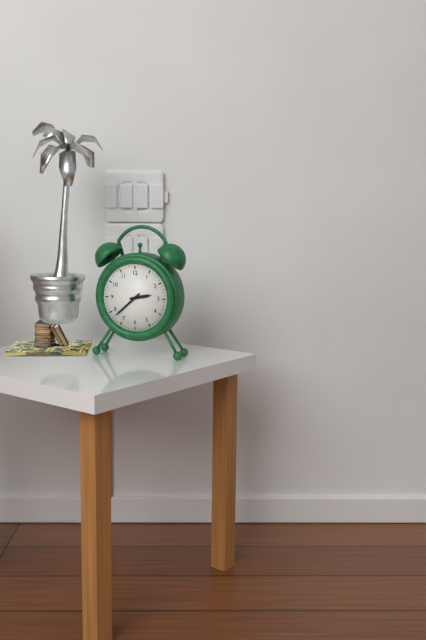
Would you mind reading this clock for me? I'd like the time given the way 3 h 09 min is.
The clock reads 2 h 38 min
